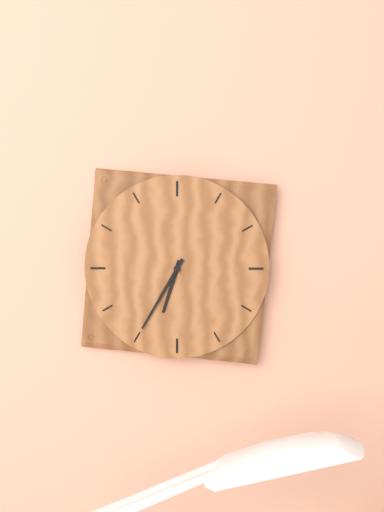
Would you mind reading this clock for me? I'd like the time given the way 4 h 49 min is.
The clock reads 6 h 35 min
